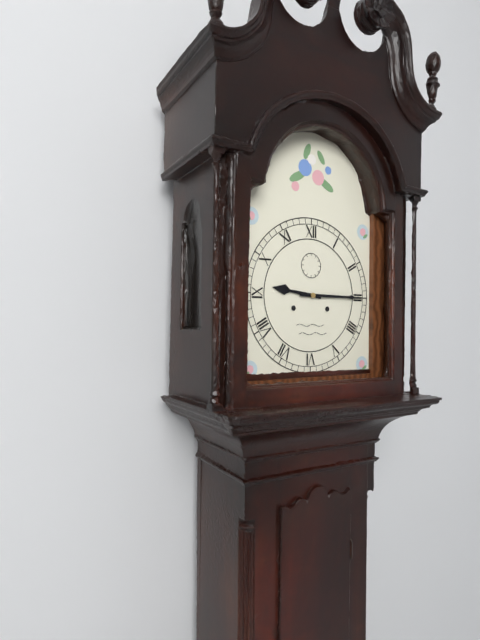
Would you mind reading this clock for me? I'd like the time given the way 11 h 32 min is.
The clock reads 9 h 15 min
